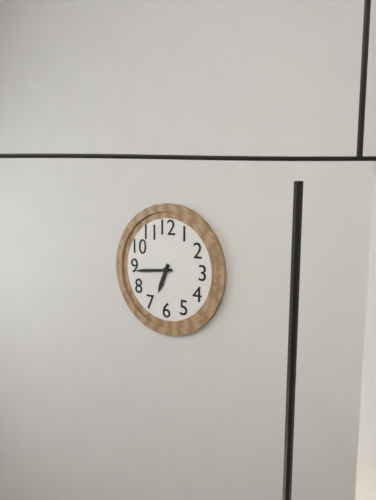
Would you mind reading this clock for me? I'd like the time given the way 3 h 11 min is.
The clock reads 6 h 44 min
